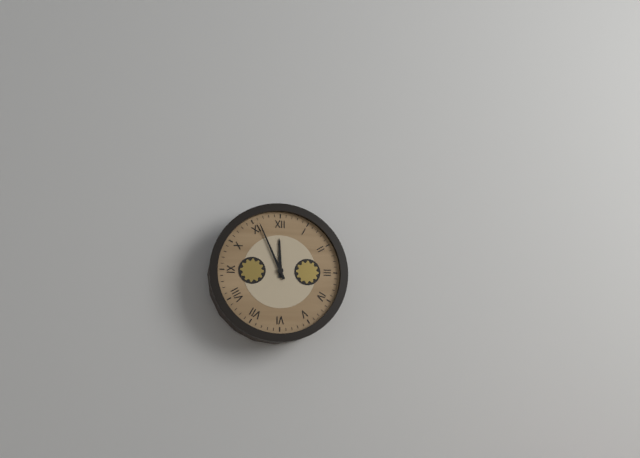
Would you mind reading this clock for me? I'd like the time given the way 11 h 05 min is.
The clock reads 11 h 56 min
